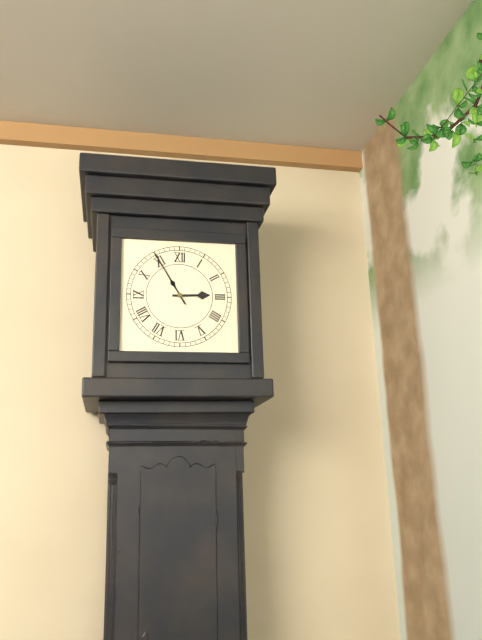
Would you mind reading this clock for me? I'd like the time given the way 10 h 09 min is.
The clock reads 2 h 55 min
